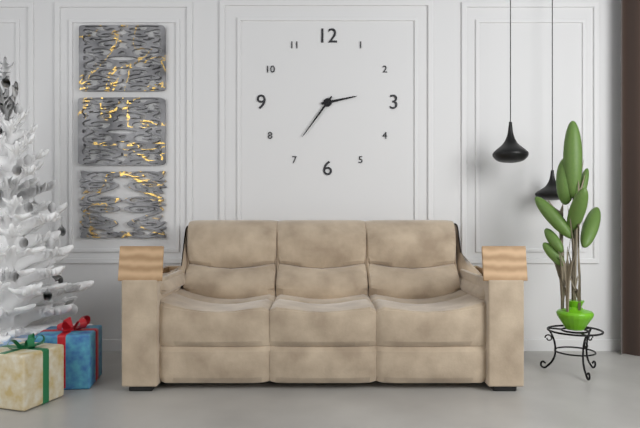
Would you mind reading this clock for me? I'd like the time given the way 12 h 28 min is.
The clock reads 2 h 36 min
